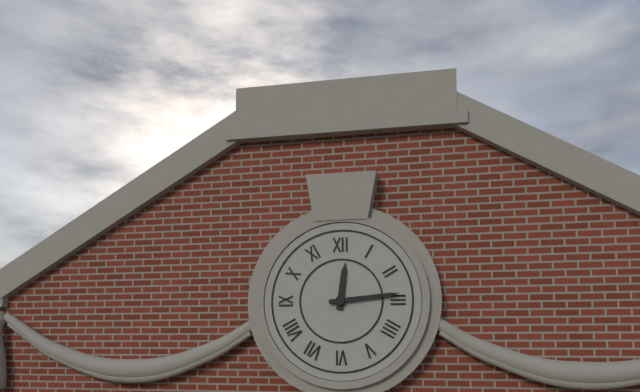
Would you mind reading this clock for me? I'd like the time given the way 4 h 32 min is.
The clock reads 12 h 14 min
